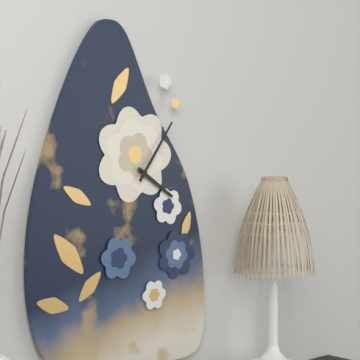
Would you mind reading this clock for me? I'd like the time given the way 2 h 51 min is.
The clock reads 4 h 06 min
